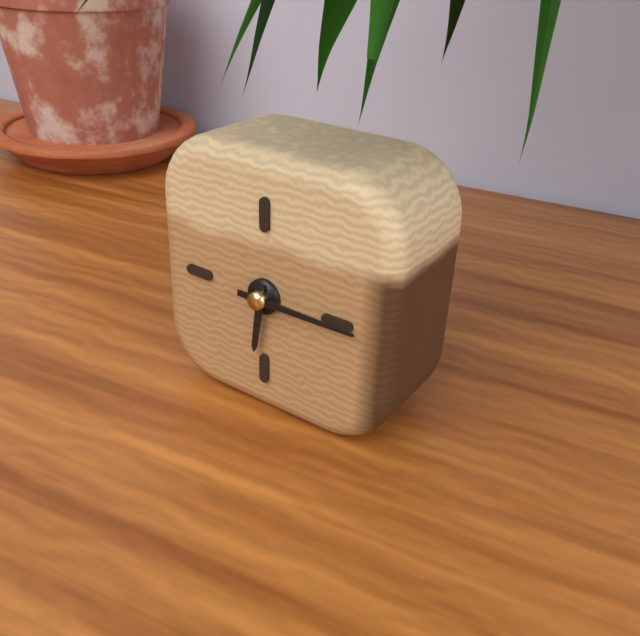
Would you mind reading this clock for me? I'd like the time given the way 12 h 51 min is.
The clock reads 6 h 15 min
